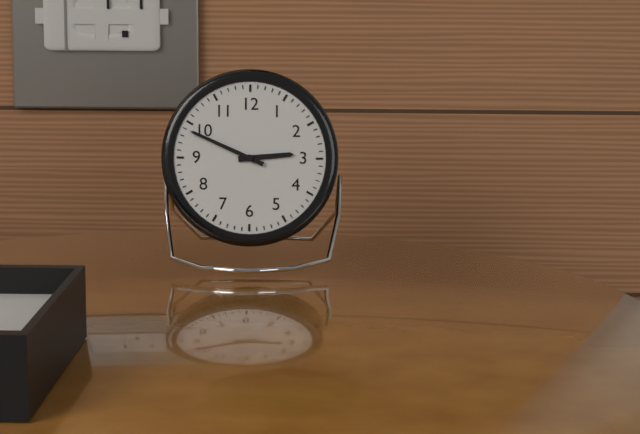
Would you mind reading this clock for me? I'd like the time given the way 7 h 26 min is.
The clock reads 2 h 49 min
